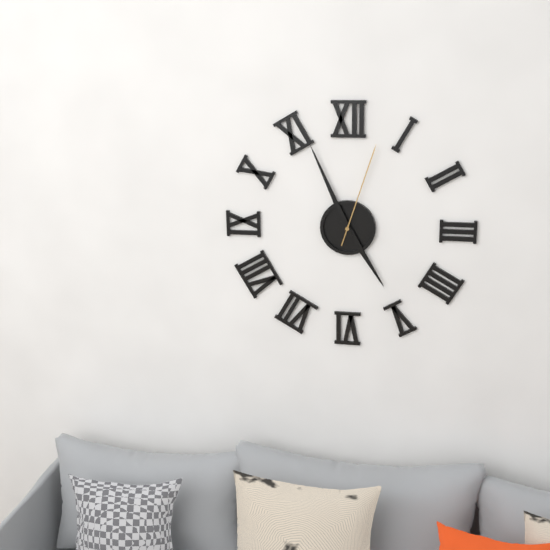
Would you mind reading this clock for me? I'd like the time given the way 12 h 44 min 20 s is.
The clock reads 4 h 56 min 03 s
